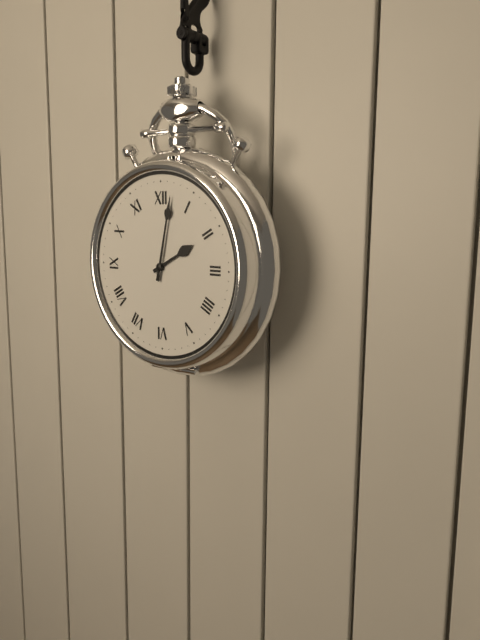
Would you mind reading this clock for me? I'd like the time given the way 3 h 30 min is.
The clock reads 2 h 02 min
